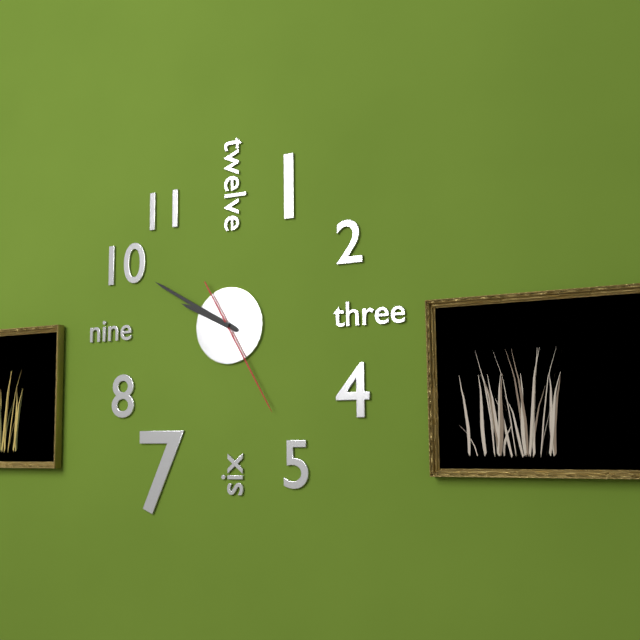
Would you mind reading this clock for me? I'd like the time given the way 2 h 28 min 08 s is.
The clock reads 9 h 50 min 25 s
